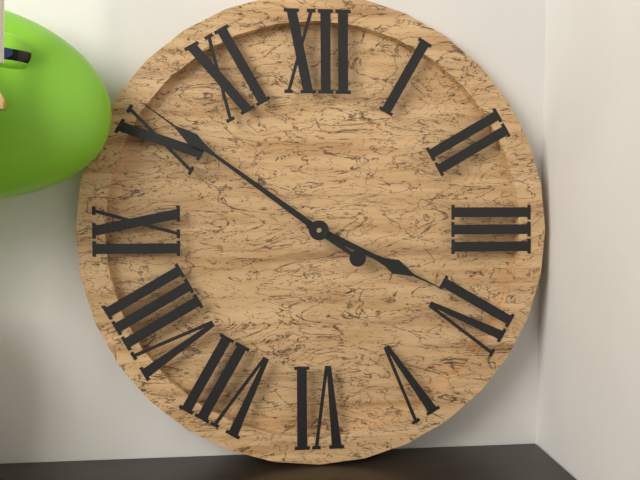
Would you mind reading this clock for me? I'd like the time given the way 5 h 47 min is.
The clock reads 3 h 51 min
